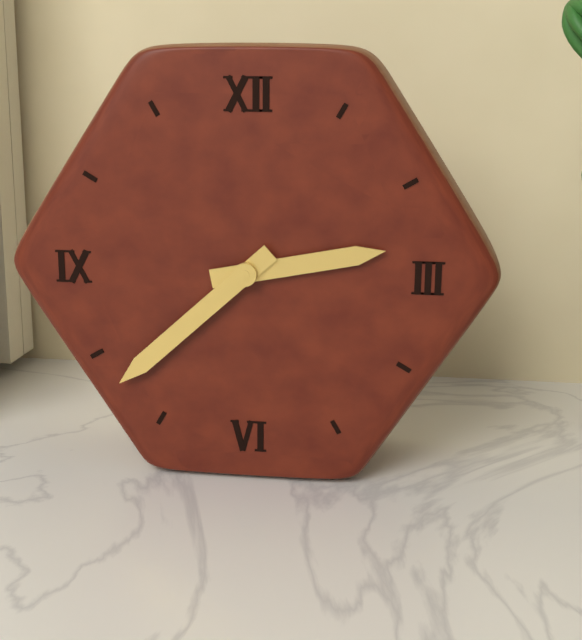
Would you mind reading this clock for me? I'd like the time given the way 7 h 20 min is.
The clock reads 2 h 38 min
